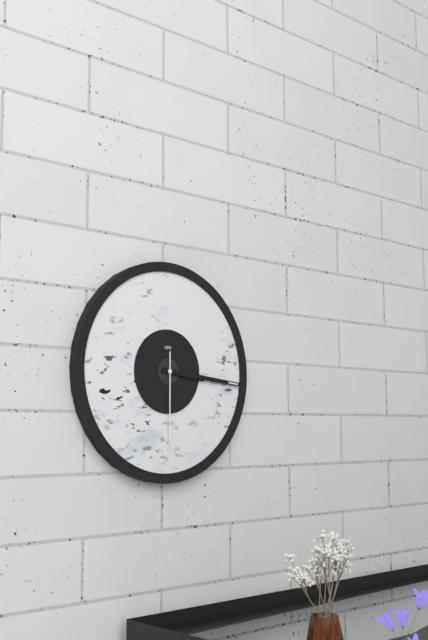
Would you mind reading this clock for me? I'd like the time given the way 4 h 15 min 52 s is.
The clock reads 3 h 16 min 30 s
